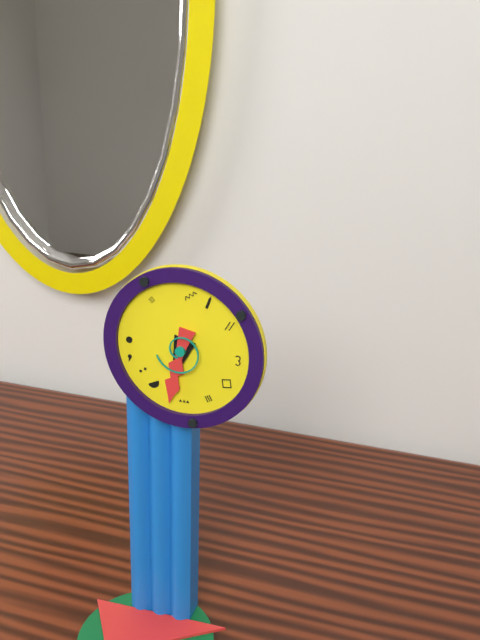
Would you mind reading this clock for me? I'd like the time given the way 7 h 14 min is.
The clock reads 6 h 32 min
